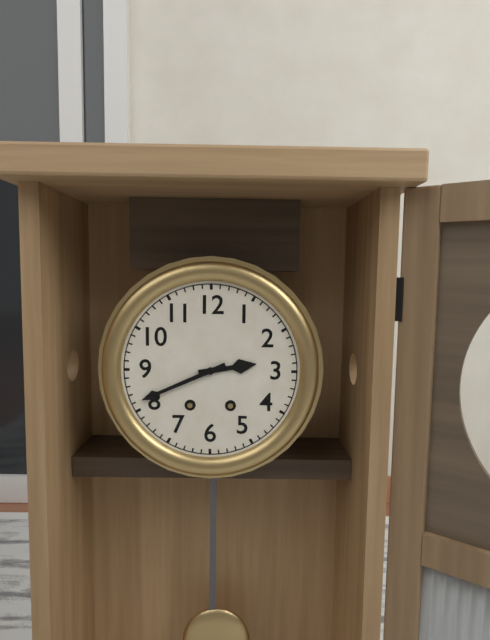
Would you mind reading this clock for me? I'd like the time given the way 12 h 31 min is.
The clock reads 2 h 41 min
